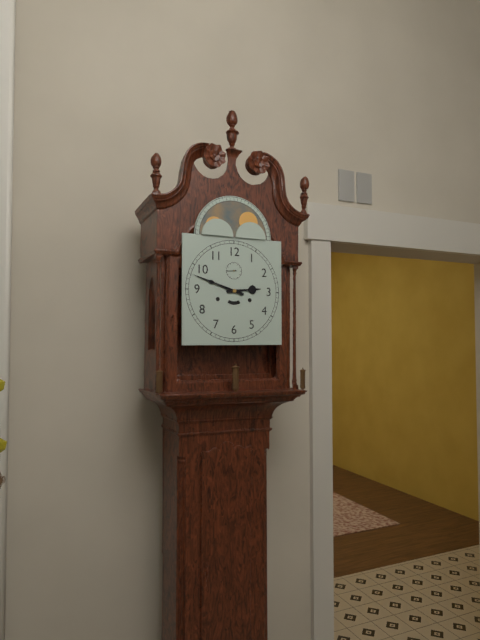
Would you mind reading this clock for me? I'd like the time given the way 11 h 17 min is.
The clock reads 2 h 48 min
